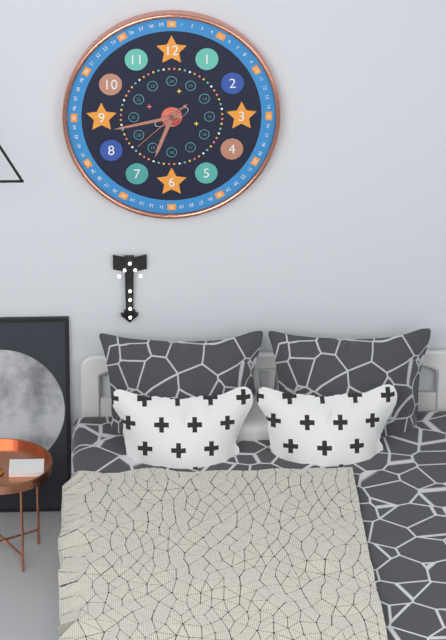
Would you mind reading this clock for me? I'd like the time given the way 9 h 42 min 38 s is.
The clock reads 6 h 43 min 38 s
